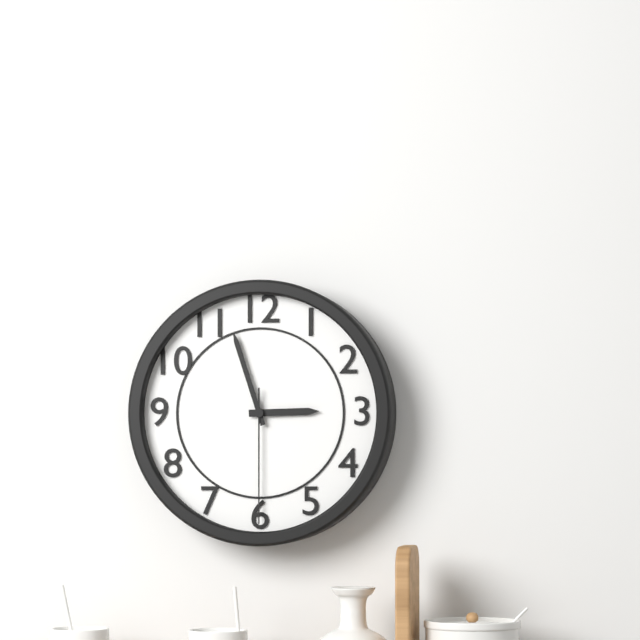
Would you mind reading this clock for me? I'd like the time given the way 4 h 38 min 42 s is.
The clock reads 2 h 57 min 30 s
